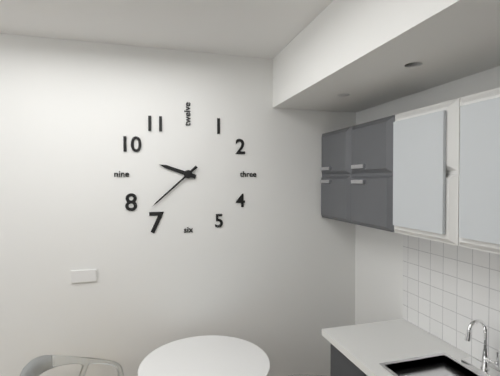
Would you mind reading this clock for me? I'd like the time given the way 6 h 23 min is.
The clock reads 9 h 38 min
